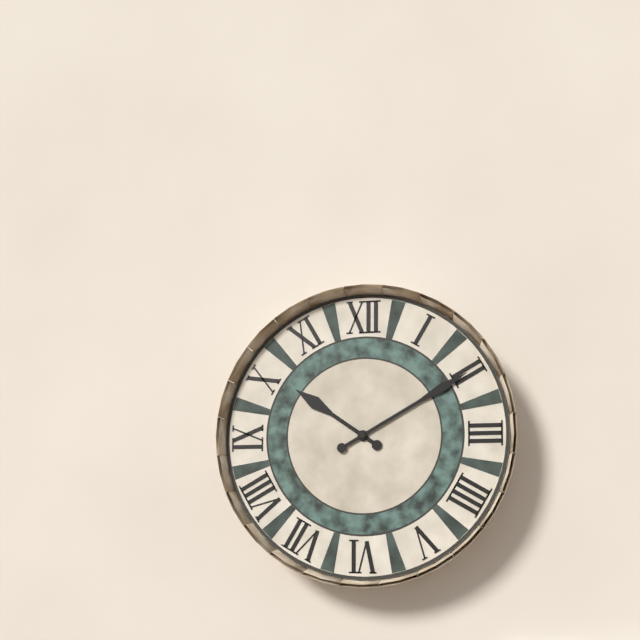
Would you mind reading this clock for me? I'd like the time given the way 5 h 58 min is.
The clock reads 10 h 10 min
